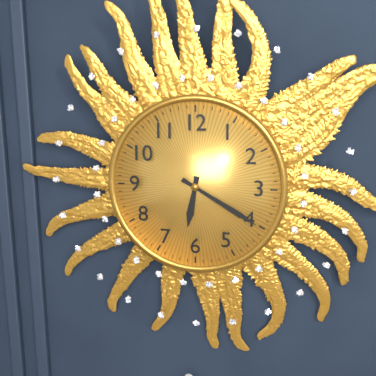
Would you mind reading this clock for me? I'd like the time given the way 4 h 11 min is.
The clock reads 6 h 20 min
